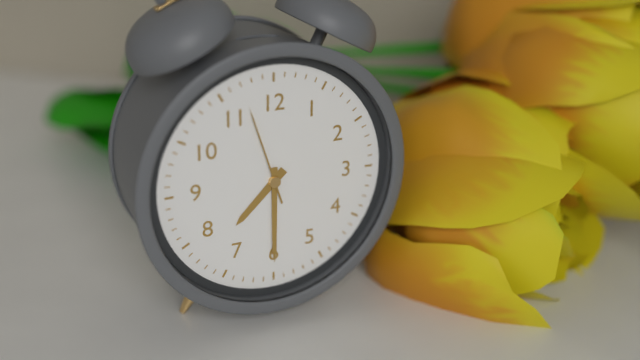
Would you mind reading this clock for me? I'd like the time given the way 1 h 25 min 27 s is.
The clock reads 7 h 30 min 57 s
